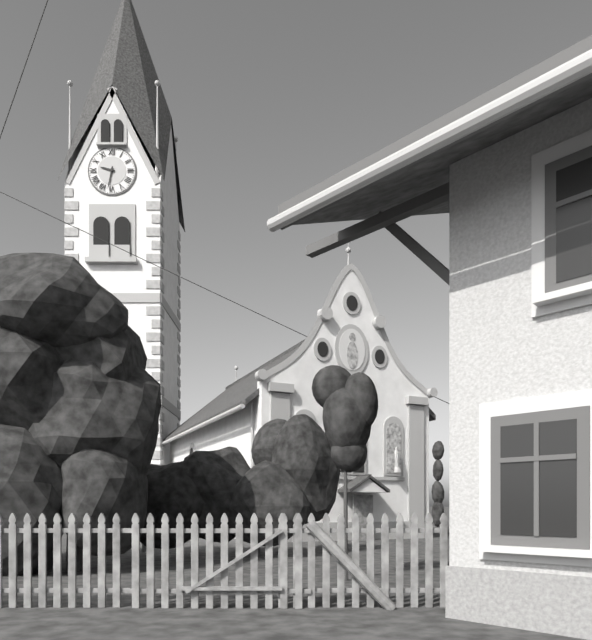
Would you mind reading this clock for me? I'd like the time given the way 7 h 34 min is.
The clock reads 9 h 32 min
